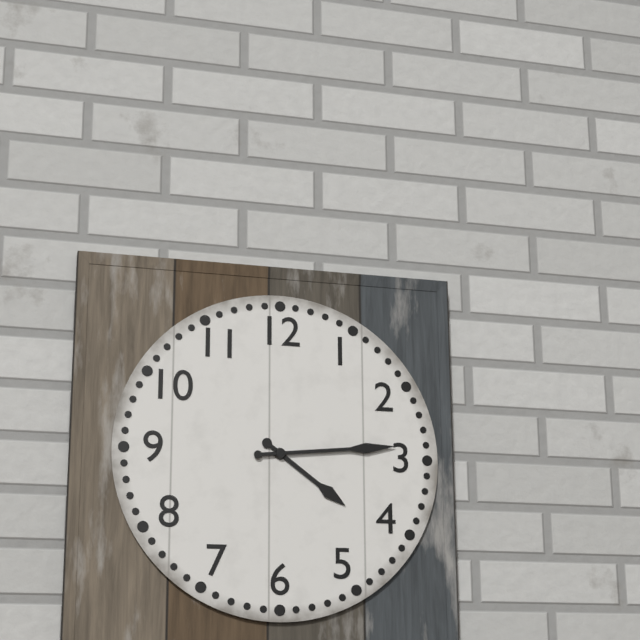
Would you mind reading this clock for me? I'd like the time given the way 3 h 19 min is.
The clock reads 4 h 14 min
